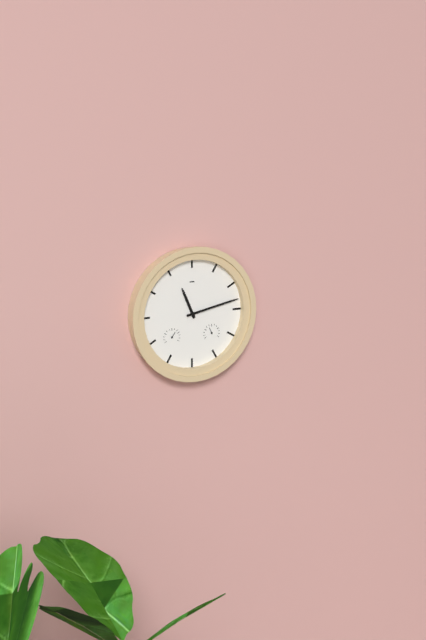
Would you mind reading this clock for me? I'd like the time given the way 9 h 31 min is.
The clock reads 11 h 13 min
